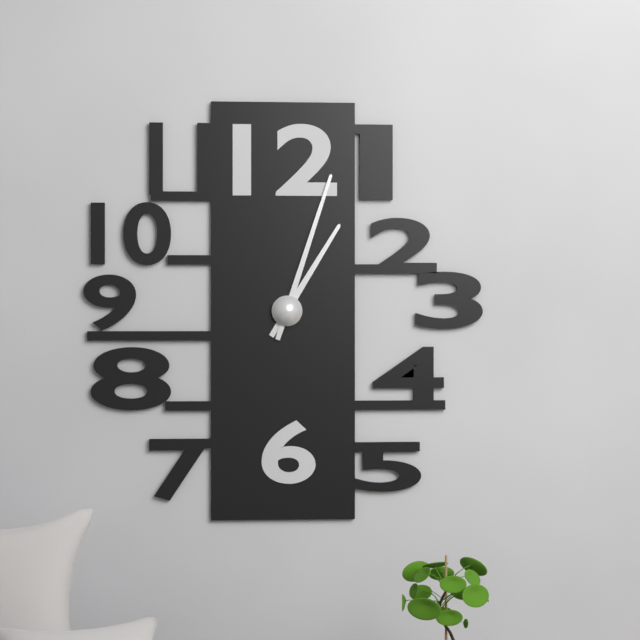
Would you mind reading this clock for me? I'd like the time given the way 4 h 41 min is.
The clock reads 1 h 03 min
